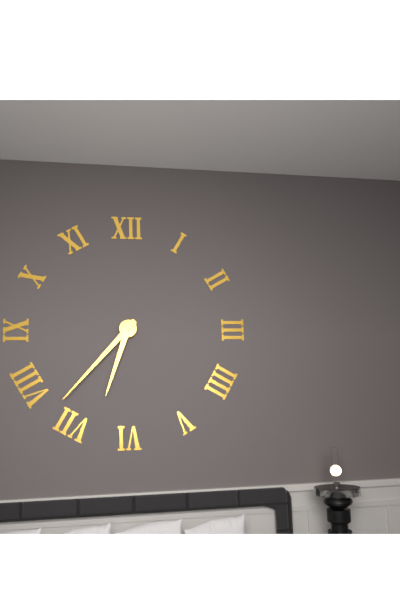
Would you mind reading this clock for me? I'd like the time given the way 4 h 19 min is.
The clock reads 6 h 37 min
